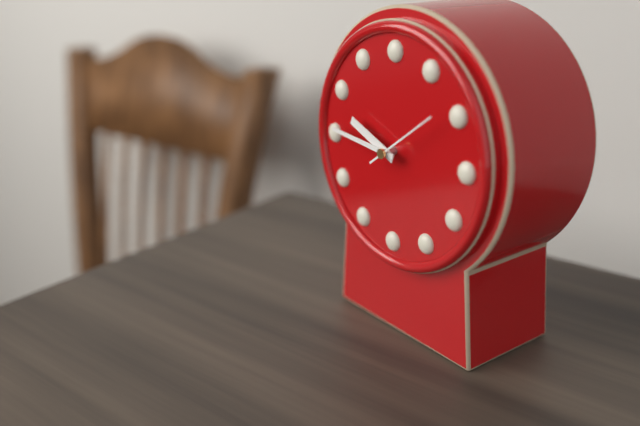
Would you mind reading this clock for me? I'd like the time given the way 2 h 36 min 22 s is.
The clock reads 9 h 46 min 09 s
